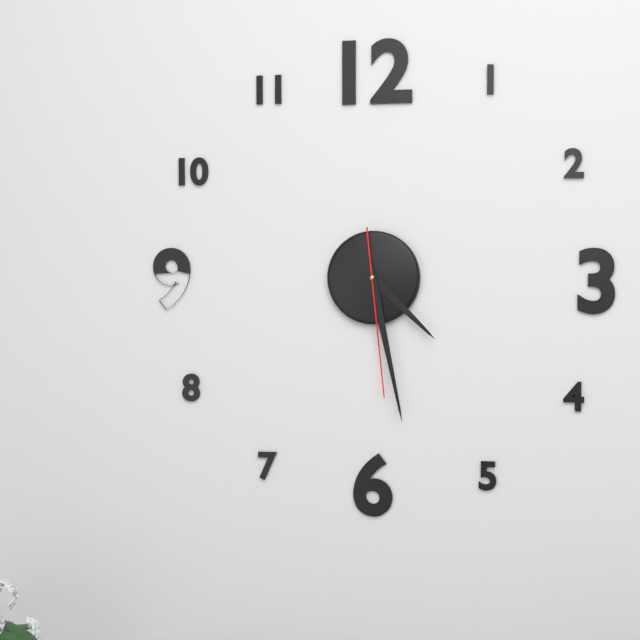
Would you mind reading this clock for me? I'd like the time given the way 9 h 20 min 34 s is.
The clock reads 4 h 28 min 29 s
